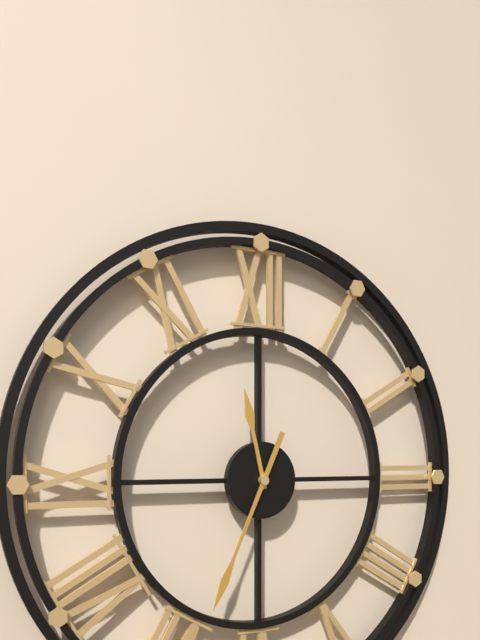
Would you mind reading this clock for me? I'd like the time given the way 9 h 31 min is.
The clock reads 11 h 34 min
